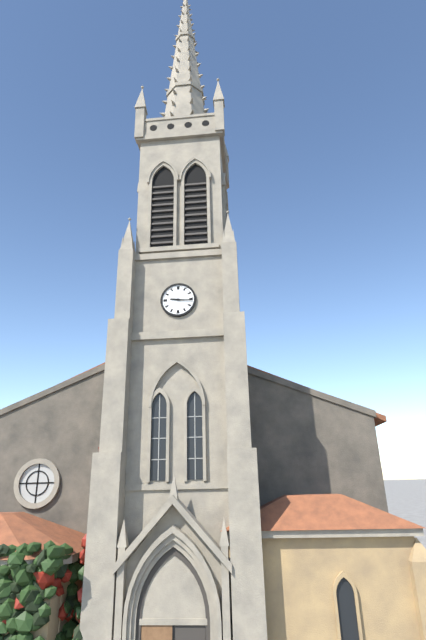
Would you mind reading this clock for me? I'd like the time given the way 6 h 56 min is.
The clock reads 9 h 16 min
